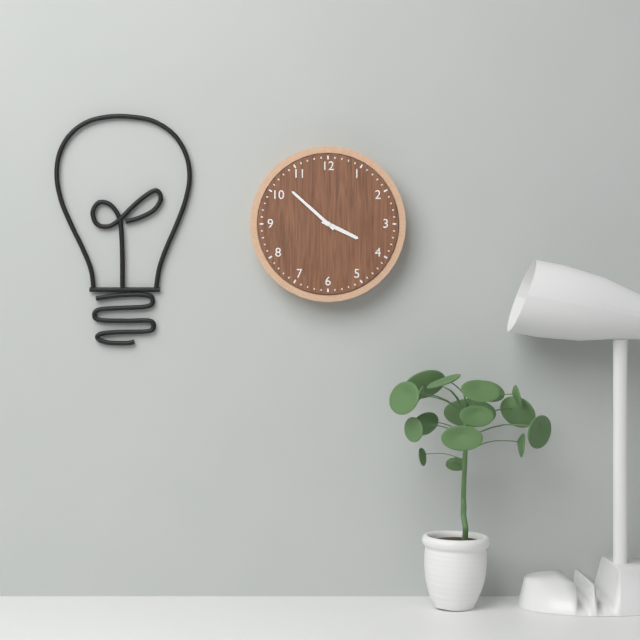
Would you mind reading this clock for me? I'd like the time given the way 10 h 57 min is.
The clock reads 3 h 52 min
